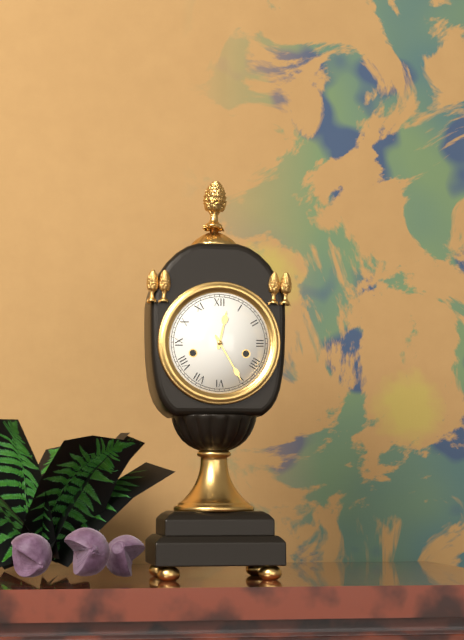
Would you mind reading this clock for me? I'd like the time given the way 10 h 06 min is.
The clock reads 12 h 25 min
